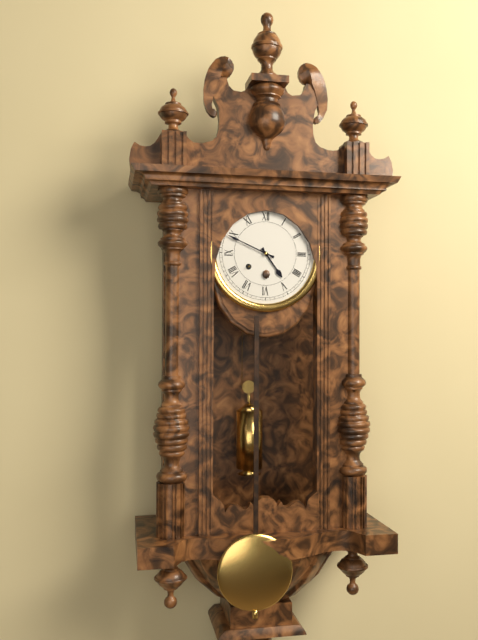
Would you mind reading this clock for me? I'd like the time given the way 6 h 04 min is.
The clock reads 4 h 49 min
